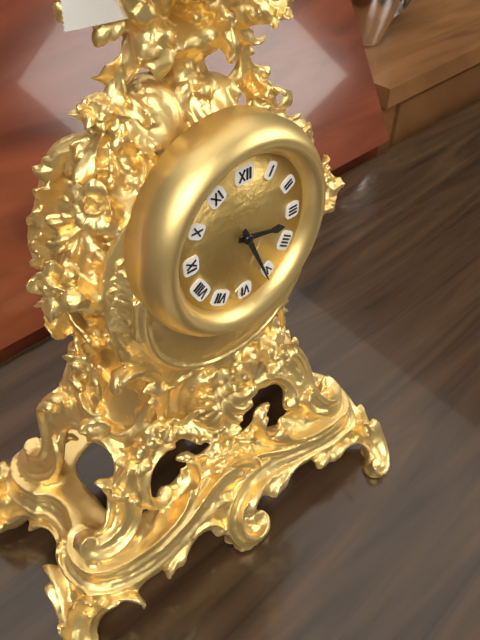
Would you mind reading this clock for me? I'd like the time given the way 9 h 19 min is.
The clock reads 3 h 26 min
